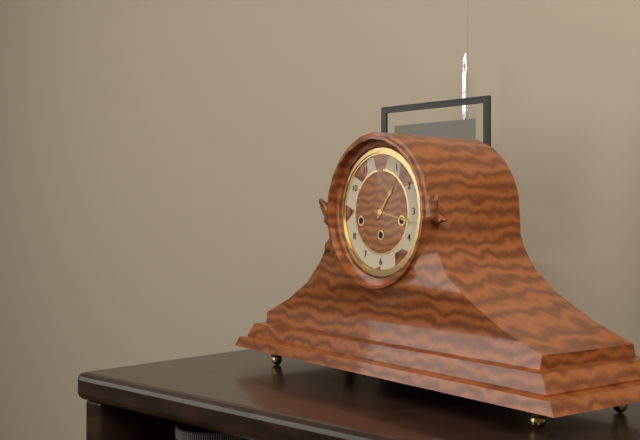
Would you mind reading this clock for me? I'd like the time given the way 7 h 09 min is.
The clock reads 1 h 17 min
